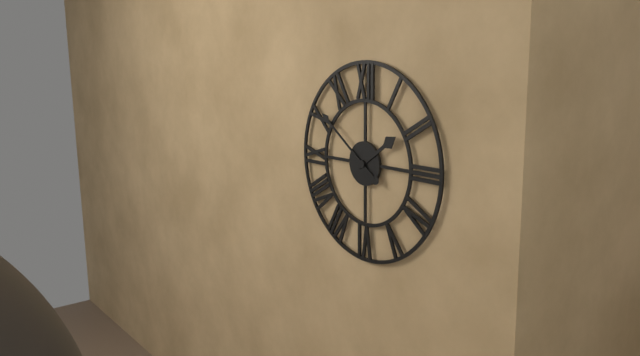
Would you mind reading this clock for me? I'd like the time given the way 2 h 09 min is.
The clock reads 1 h 51 min
